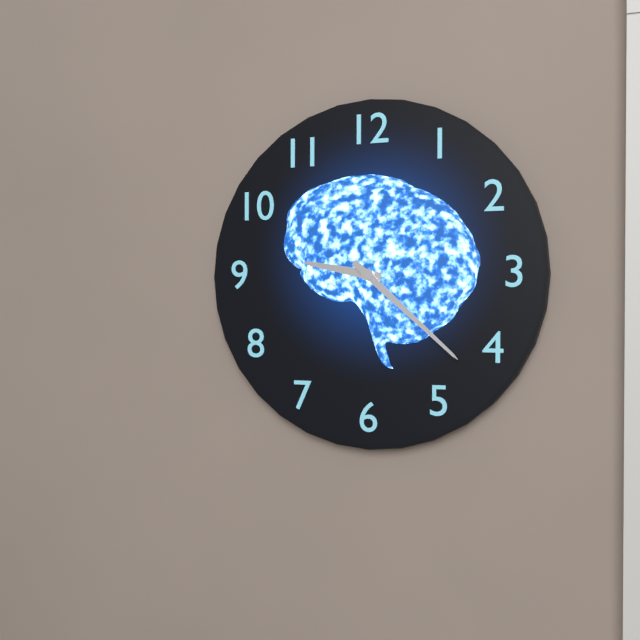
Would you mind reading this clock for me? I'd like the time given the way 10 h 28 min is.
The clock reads 9 h 22 min
